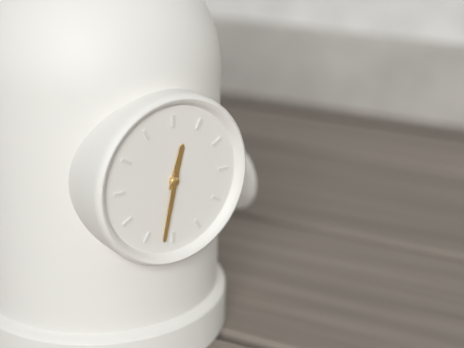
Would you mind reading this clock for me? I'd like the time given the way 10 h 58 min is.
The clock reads 12 h 32 min
